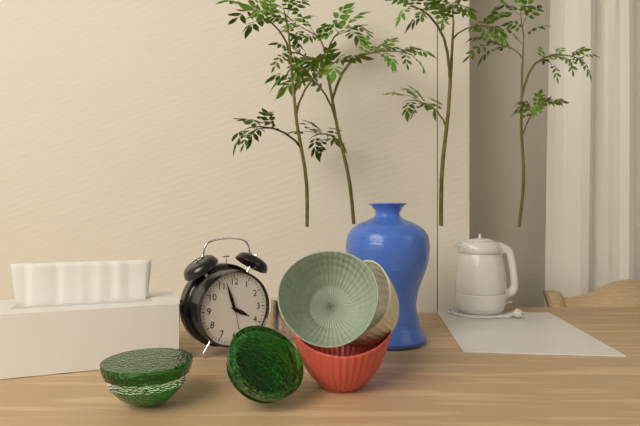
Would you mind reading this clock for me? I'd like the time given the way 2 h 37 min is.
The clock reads 3 h 57 min
